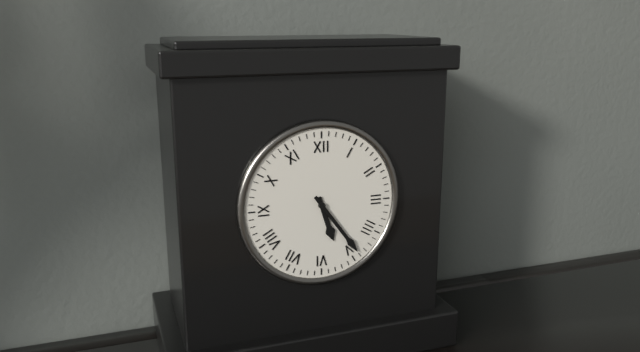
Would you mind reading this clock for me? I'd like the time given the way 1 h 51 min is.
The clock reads 5 h 24 min
